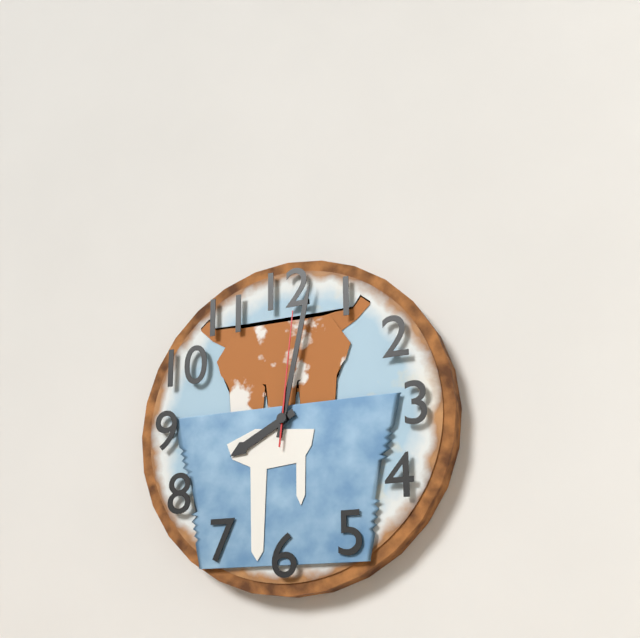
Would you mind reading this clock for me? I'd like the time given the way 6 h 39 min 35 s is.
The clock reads 8 h 02 min 01 s
